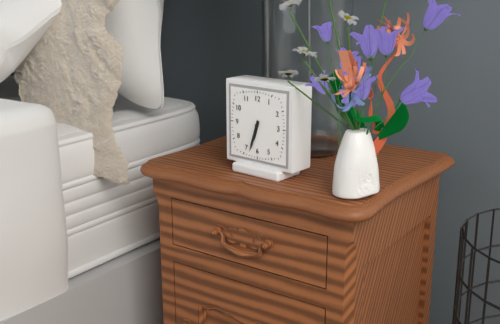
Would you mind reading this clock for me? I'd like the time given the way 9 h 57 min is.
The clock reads 6 h 33 min
